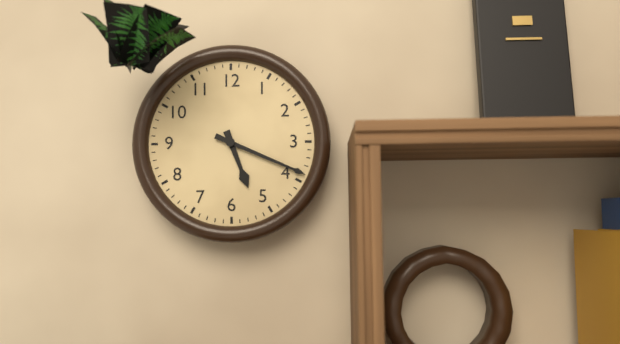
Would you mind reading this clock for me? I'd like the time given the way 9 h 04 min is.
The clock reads 5 h 19 min
